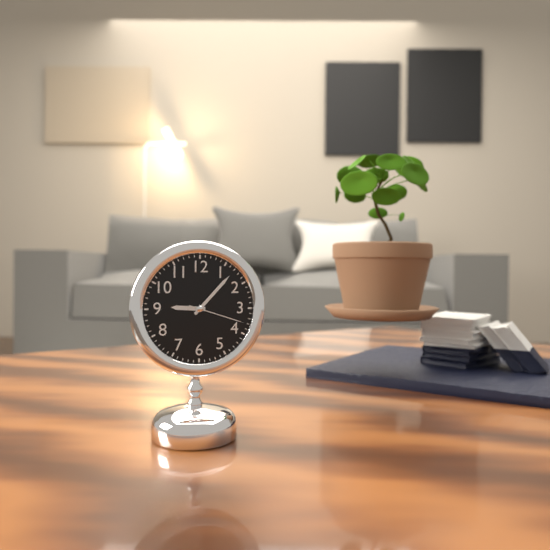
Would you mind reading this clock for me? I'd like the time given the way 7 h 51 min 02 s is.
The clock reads 9 h 07 min 18 s
